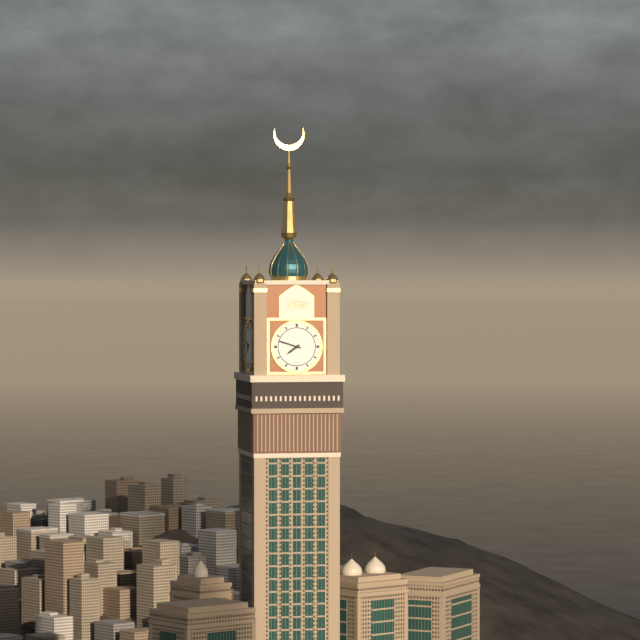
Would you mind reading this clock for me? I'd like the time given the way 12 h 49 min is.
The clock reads 7 h 48 min
